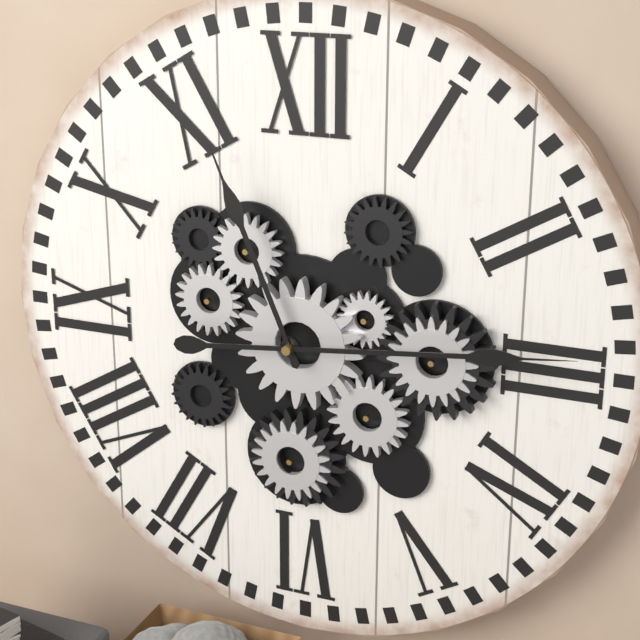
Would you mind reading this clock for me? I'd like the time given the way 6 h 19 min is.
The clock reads 11 h 14 min
